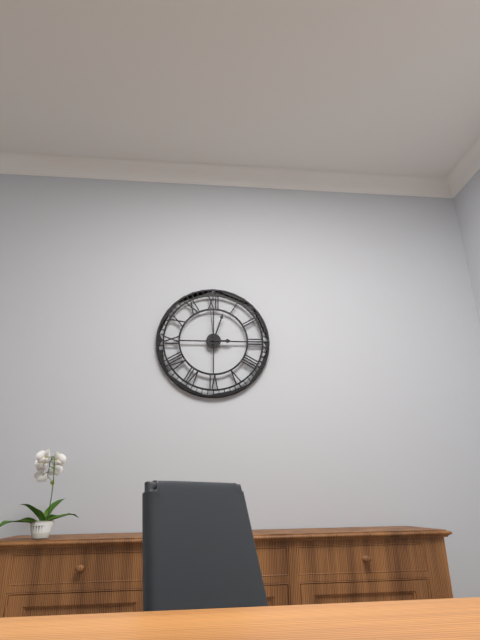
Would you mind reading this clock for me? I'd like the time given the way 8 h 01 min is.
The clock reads 3 h 03 min
